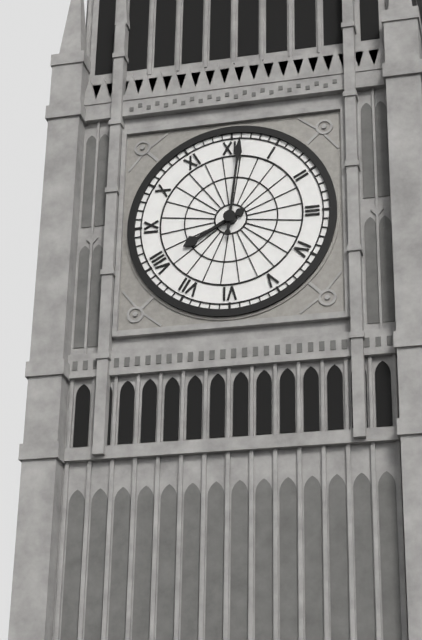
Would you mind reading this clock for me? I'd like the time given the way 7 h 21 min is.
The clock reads 8 h 01 min
